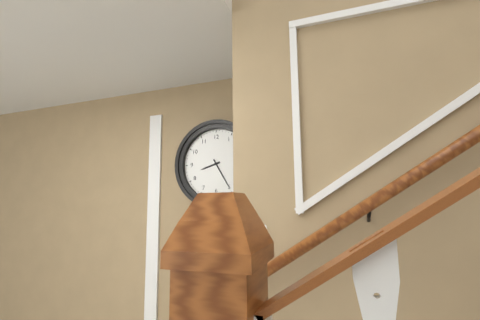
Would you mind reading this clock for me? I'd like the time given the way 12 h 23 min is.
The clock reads 8 h 25 min
